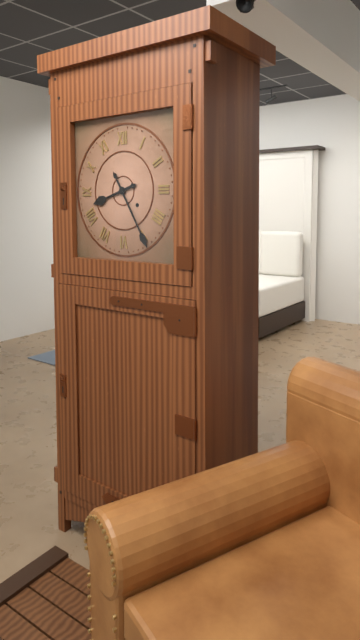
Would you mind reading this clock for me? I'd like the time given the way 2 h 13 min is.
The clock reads 8 h 25 min
